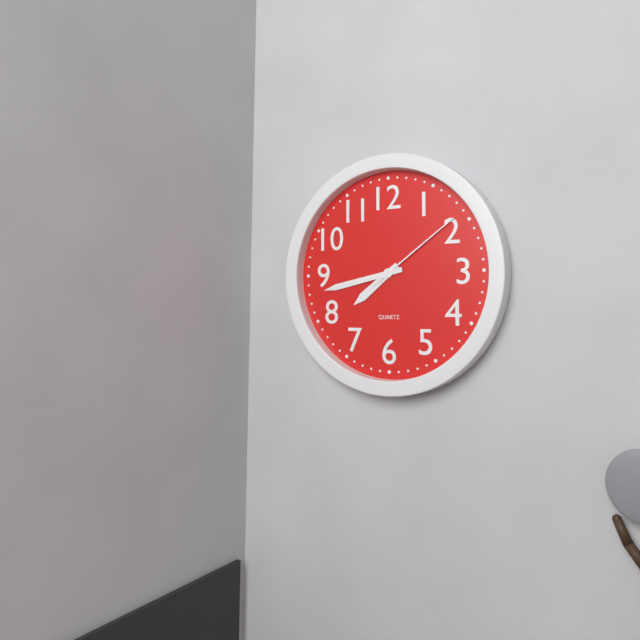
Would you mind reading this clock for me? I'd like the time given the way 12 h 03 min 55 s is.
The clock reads 7 h 43 min 09 s
